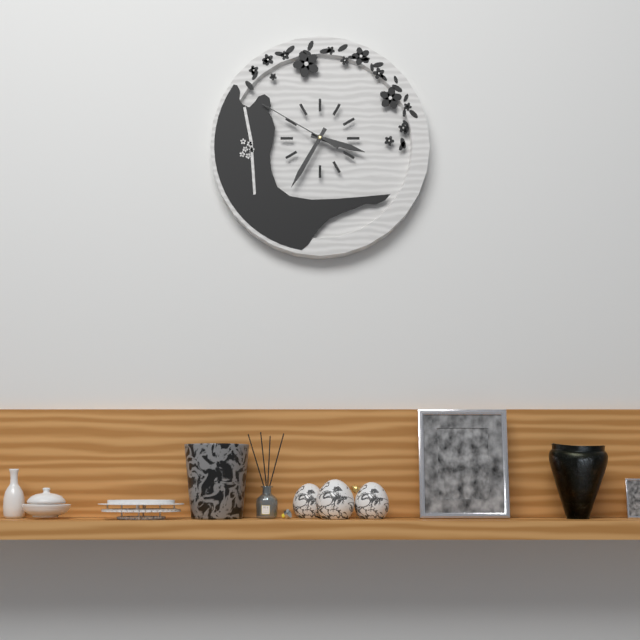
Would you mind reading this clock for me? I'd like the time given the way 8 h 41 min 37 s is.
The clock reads 3 h 35 min 50 s
